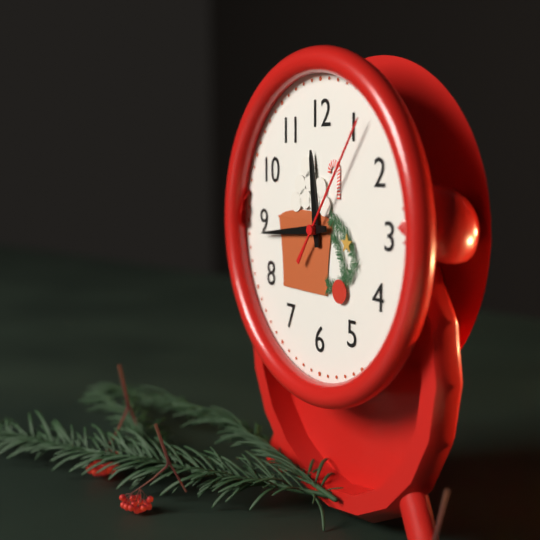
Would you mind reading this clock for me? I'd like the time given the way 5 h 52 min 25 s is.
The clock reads 11 h 44 min 06 s
